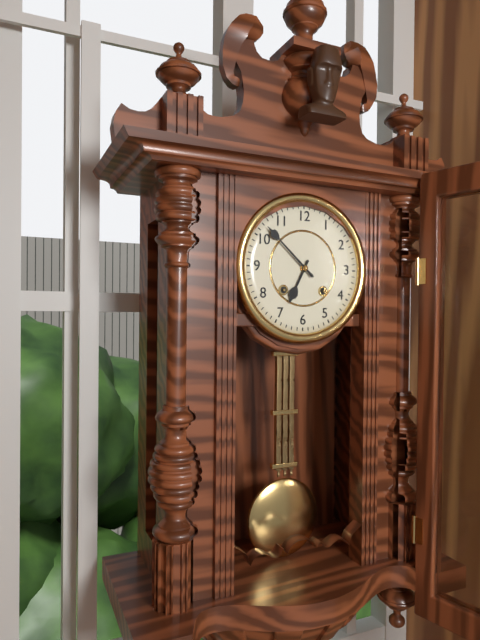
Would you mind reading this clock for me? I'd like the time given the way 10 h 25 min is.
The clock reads 6 h 52 min
